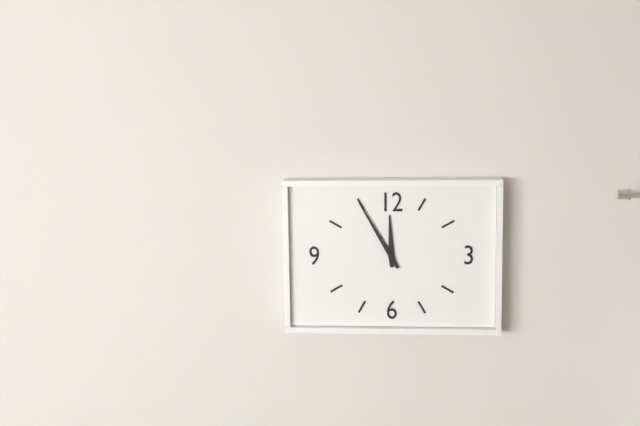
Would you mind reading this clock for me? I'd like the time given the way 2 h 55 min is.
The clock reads 11 h 55 min
